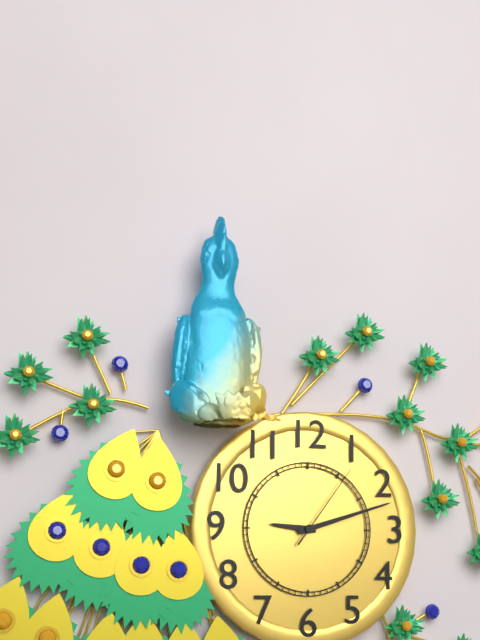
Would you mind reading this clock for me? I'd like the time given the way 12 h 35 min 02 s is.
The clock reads 9 h 12 min 06 s
